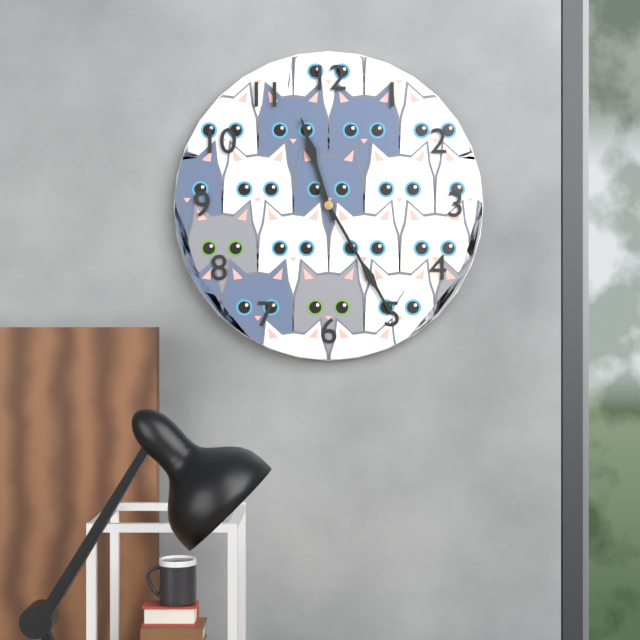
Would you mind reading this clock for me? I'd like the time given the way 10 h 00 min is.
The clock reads 11 h 25 min
